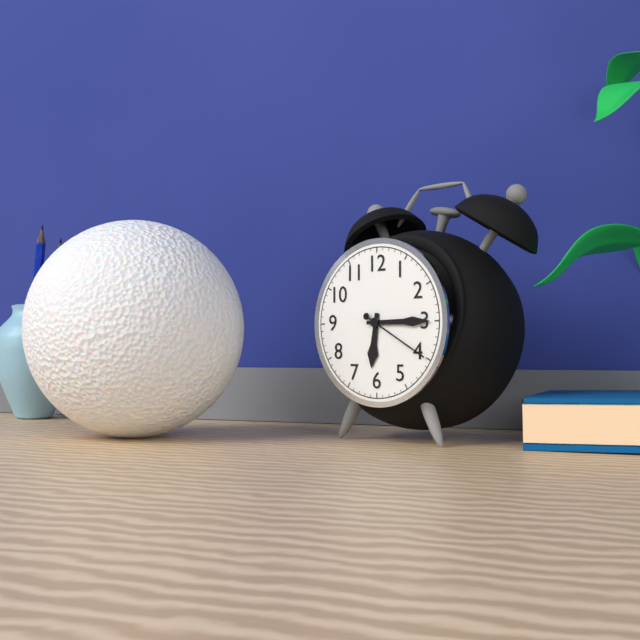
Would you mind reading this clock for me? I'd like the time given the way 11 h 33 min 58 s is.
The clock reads 6 h 15 min 20 s
